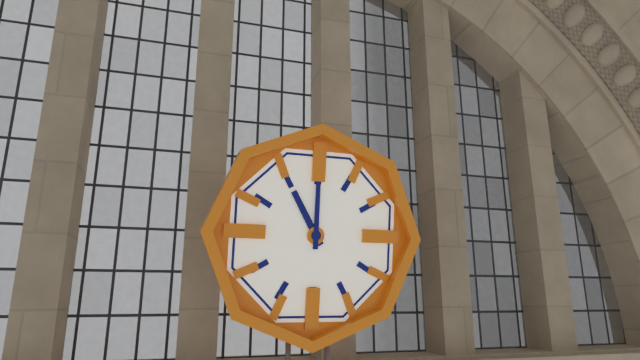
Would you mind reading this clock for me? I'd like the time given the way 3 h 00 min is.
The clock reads 11 h 00 min
